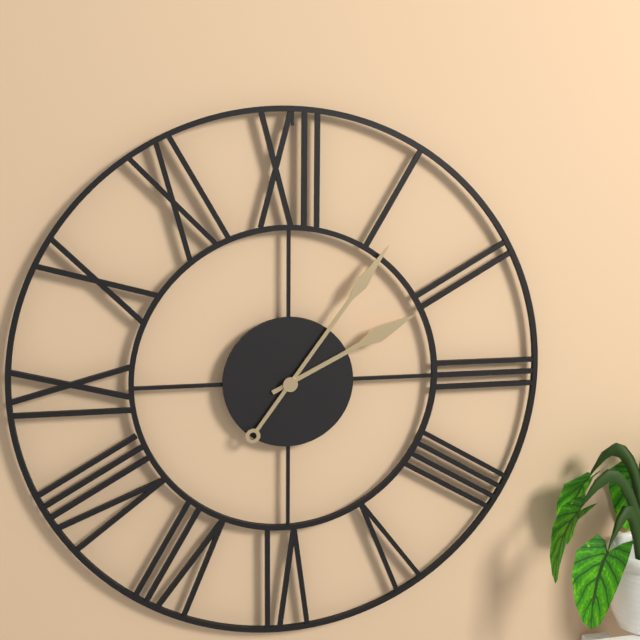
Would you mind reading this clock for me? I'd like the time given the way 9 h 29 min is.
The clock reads 2 h 06 min
